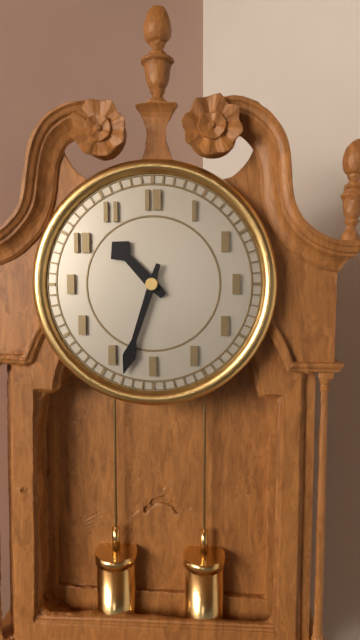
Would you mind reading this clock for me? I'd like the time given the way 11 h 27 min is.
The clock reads 10 h 33 min
